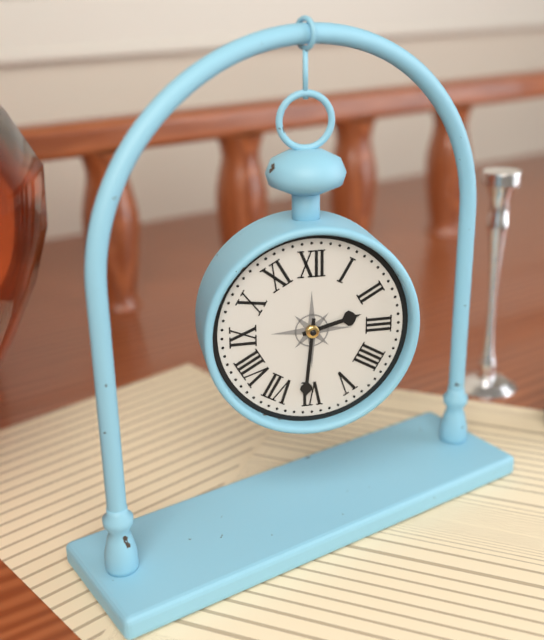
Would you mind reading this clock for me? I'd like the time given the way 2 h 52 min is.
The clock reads 2 h 31 min
